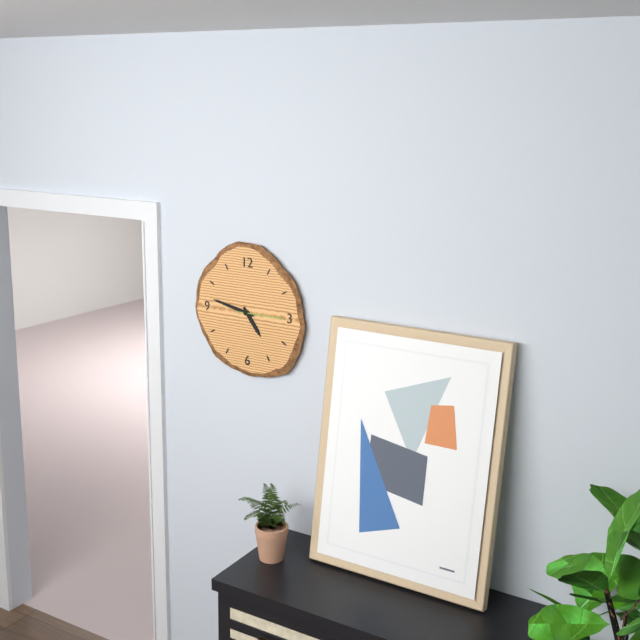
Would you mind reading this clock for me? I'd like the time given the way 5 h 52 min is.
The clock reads 4 h 47 min
